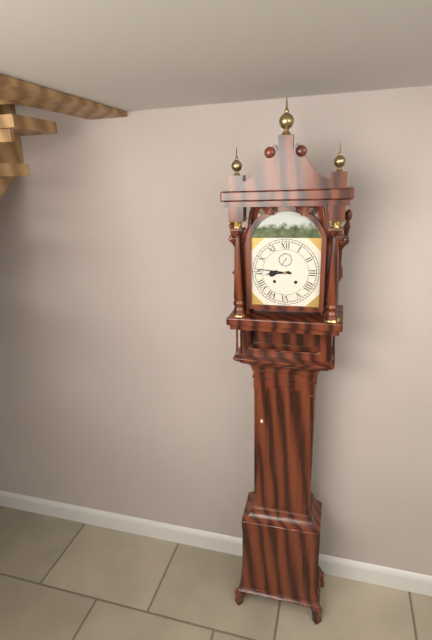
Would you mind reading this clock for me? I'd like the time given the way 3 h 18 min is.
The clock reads 8 h 46 min
